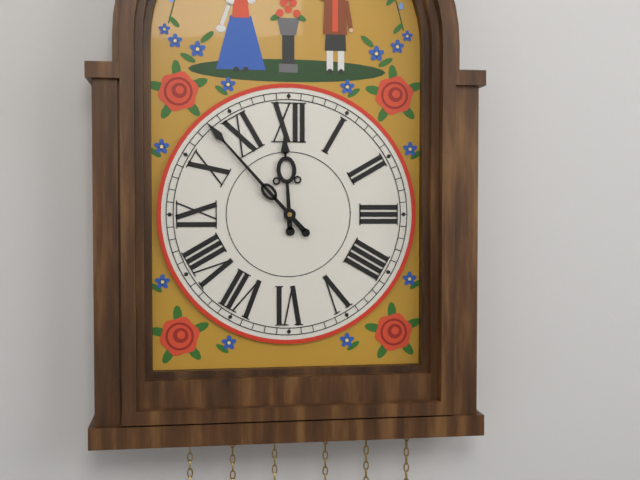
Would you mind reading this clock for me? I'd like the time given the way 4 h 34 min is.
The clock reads 11 h 53 min
